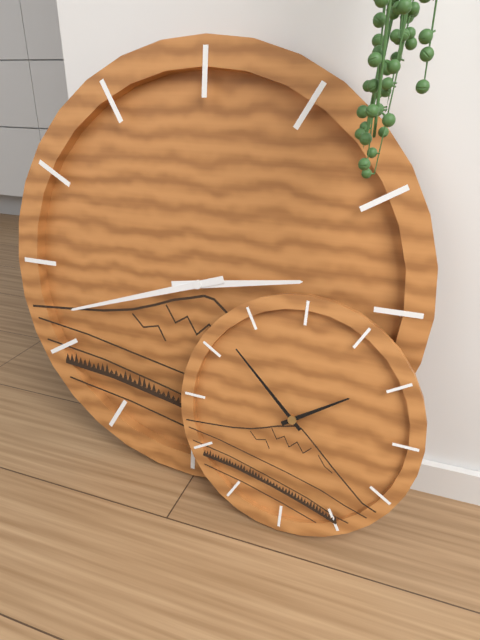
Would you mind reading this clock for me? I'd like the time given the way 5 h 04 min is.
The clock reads 2 h 42 min
